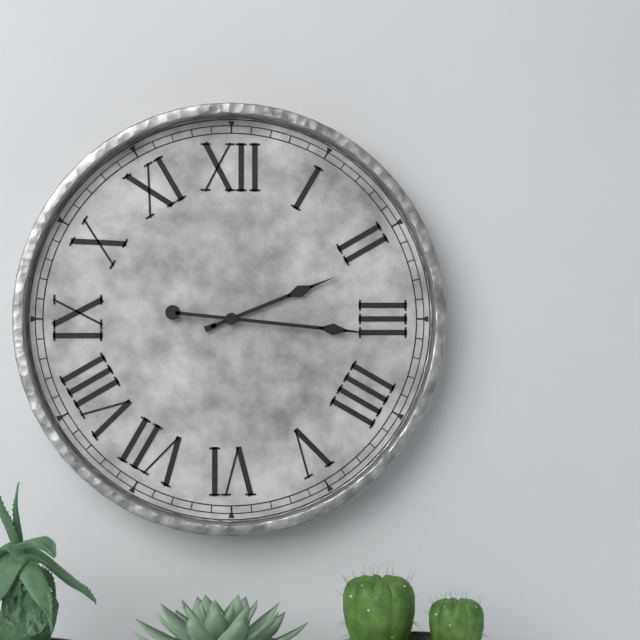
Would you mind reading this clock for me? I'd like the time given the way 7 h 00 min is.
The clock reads 2 h 16 min
